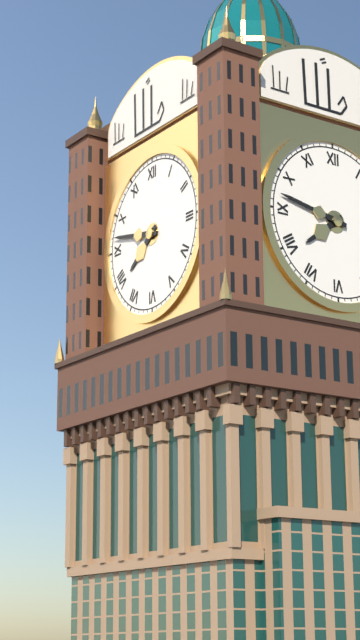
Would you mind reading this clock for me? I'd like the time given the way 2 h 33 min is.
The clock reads 7 h 47 min
